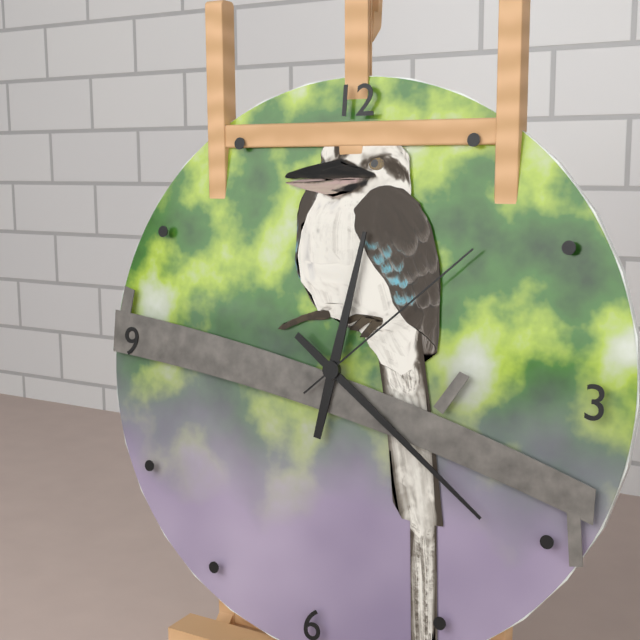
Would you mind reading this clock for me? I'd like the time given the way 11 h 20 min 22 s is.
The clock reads 12 h 21 min 08 s
